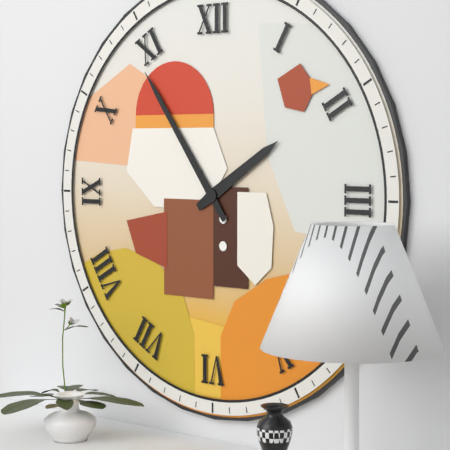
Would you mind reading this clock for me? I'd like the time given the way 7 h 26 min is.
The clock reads 1 h 54 min
